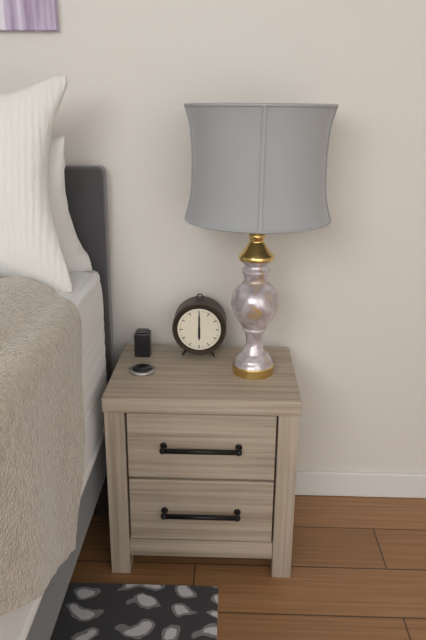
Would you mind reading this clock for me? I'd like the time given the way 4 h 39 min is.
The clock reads 6 h 00 min
